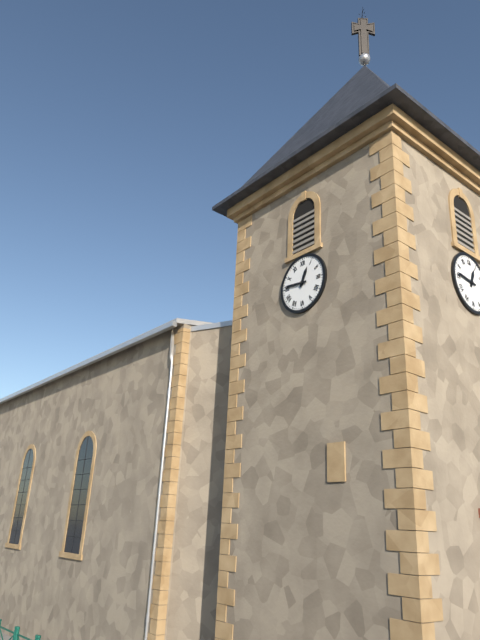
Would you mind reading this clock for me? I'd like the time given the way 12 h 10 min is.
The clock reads 12 h 46 min
